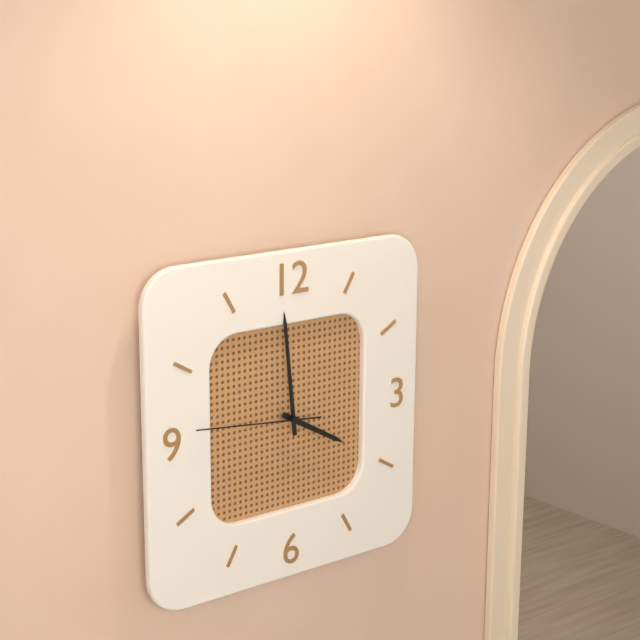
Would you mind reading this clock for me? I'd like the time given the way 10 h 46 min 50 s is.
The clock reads 3 h 59 min 46 s
